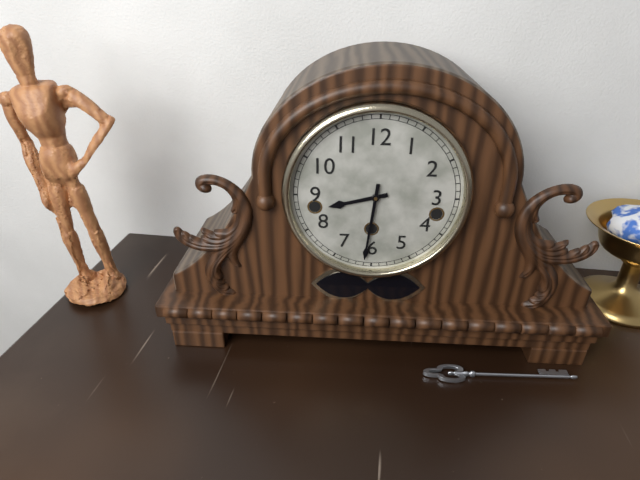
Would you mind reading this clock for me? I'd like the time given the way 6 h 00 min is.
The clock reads 8 h 31 min
